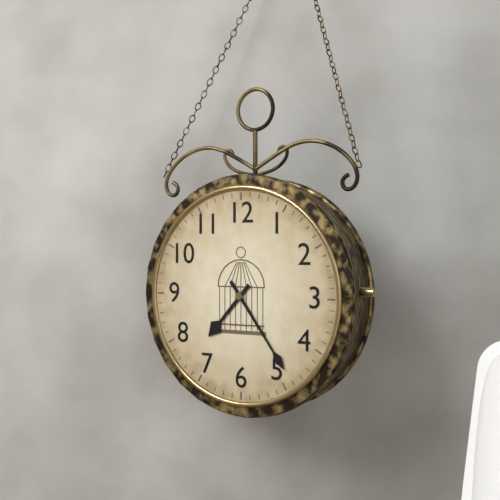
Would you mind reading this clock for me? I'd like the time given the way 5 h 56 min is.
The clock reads 7 h 24 min
